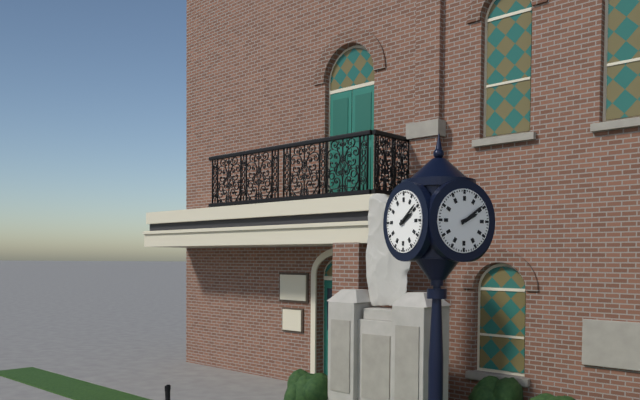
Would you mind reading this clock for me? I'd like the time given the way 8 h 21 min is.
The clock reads 2 h 09 min
